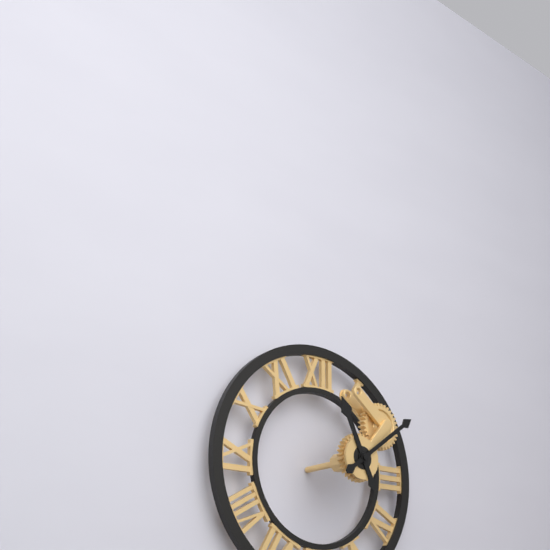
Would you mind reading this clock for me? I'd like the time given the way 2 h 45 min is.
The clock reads 11 h 09 min
